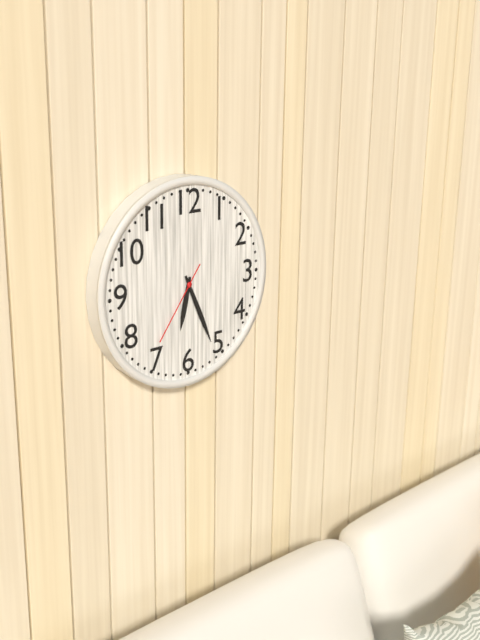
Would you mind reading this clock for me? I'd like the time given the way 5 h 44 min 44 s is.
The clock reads 6 h 26 min 36 s
